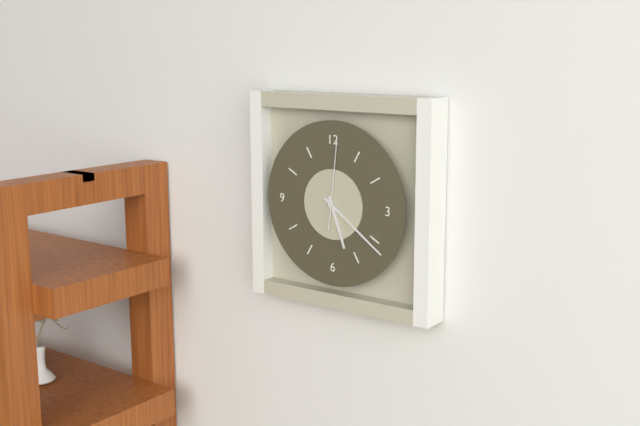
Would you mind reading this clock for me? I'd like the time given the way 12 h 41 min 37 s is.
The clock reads 5 h 21 min 01 s
